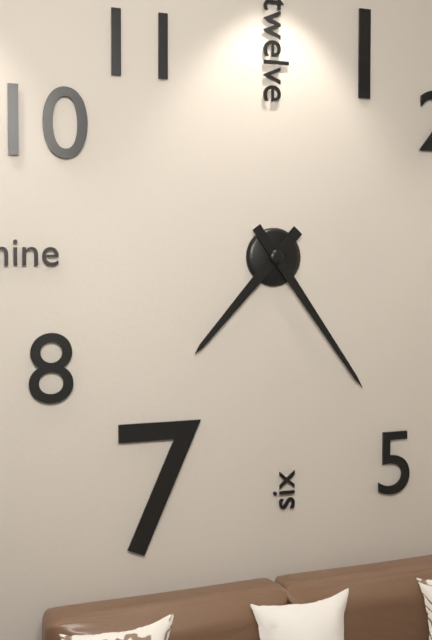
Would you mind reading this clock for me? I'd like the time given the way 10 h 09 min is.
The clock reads 7 h 24 min
